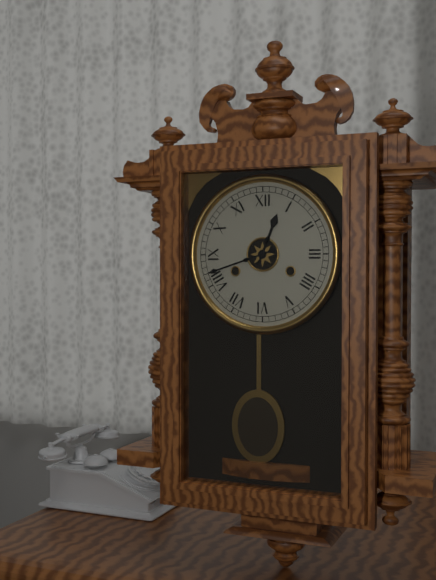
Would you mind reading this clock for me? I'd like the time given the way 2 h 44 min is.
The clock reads 12 h 42 min
